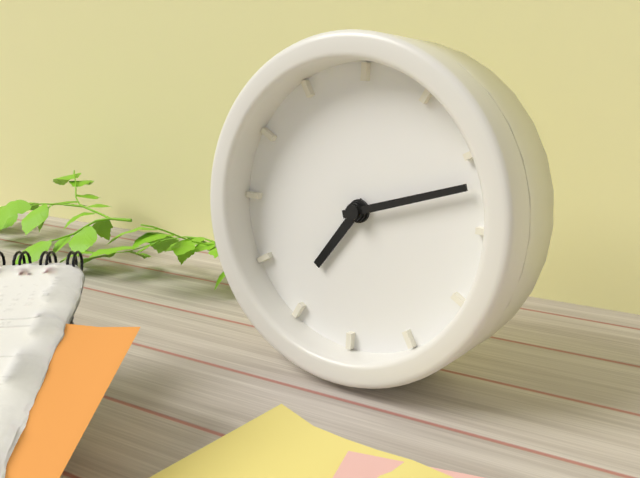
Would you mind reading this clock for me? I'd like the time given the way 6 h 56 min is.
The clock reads 7 h 12 min
